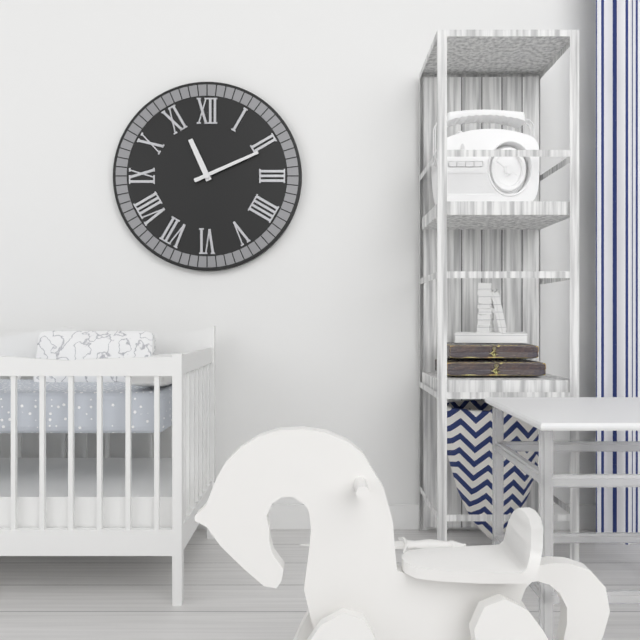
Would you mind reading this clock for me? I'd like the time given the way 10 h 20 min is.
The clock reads 11 h 11 min
